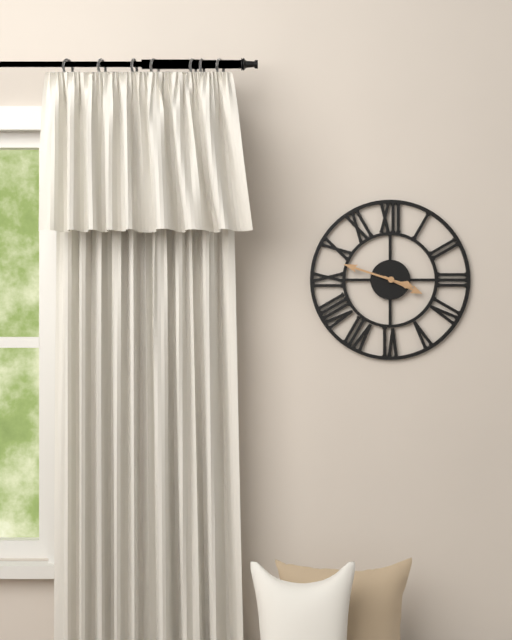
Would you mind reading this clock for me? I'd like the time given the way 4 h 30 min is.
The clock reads 3 h 48 min
